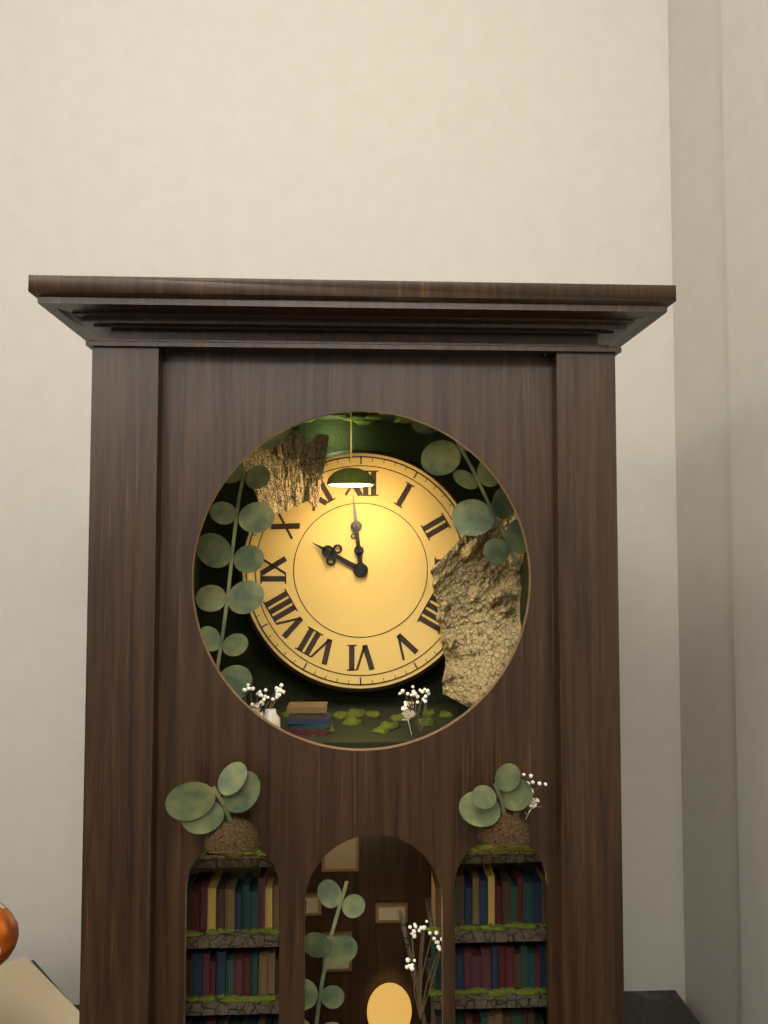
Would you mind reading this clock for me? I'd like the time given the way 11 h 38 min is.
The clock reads 9 h 59 min
